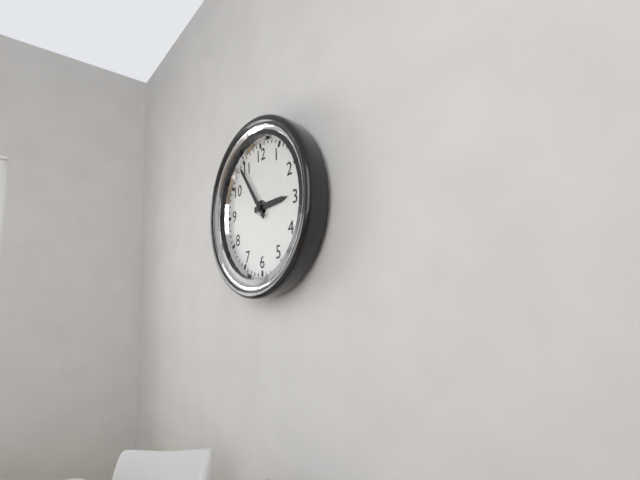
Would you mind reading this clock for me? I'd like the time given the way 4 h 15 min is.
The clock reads 2 h 54 min
